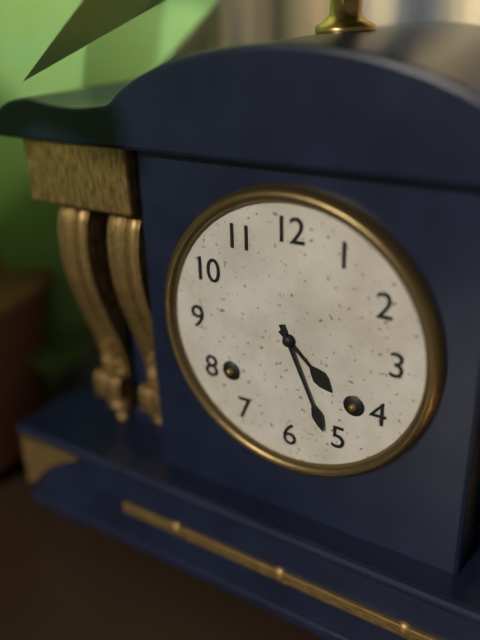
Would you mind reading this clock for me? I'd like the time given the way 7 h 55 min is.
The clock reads 4 h 26 min
